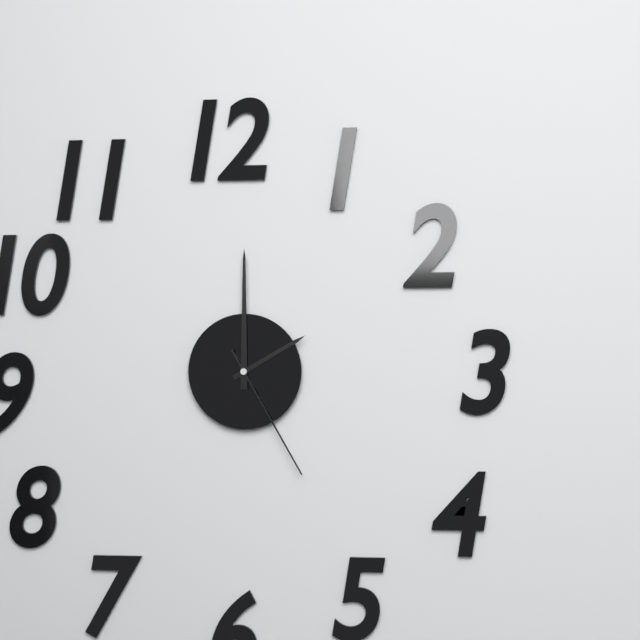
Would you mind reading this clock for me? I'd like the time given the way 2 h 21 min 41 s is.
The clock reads 2 h 00 min 25 s
